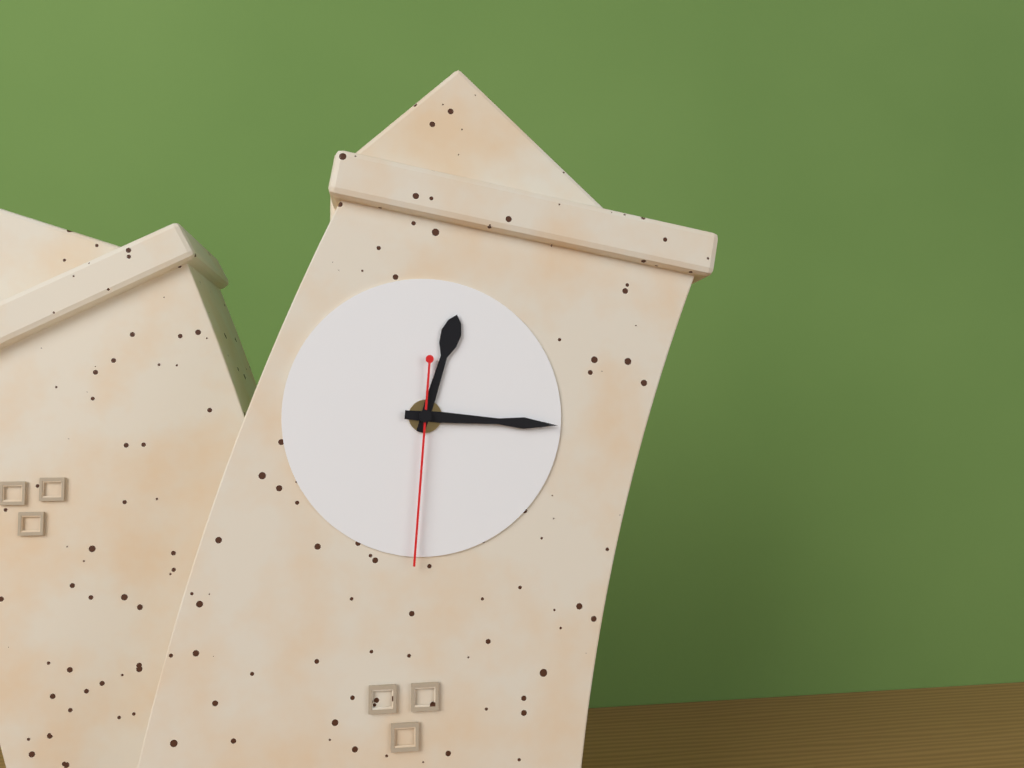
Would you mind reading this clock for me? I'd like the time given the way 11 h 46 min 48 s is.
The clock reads 12 h 14 min 29 s
